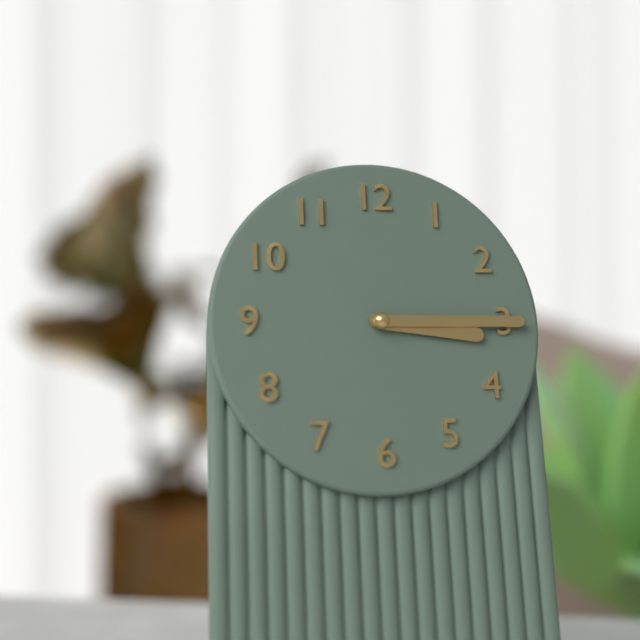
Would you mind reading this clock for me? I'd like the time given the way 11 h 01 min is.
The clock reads 3 h 15 min
